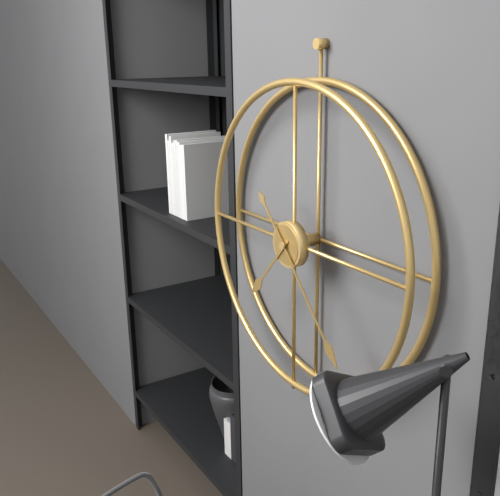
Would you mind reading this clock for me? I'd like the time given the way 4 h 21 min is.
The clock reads 7 h 23 min
